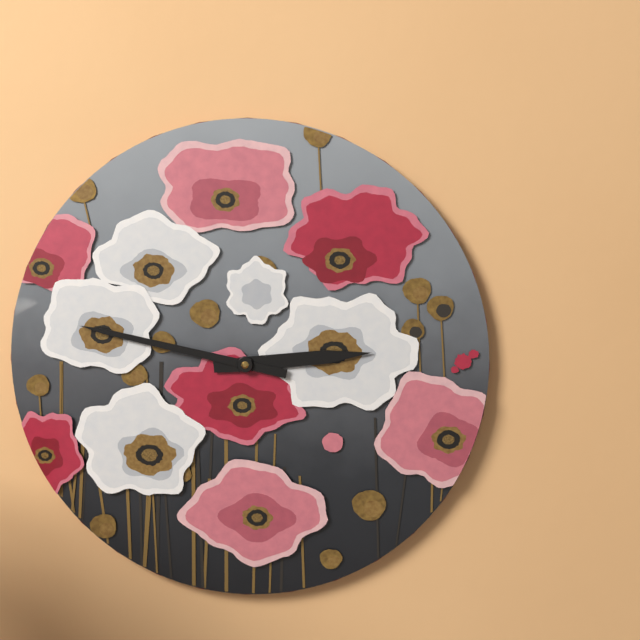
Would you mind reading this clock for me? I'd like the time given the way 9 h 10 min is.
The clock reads 2 h 47 min
